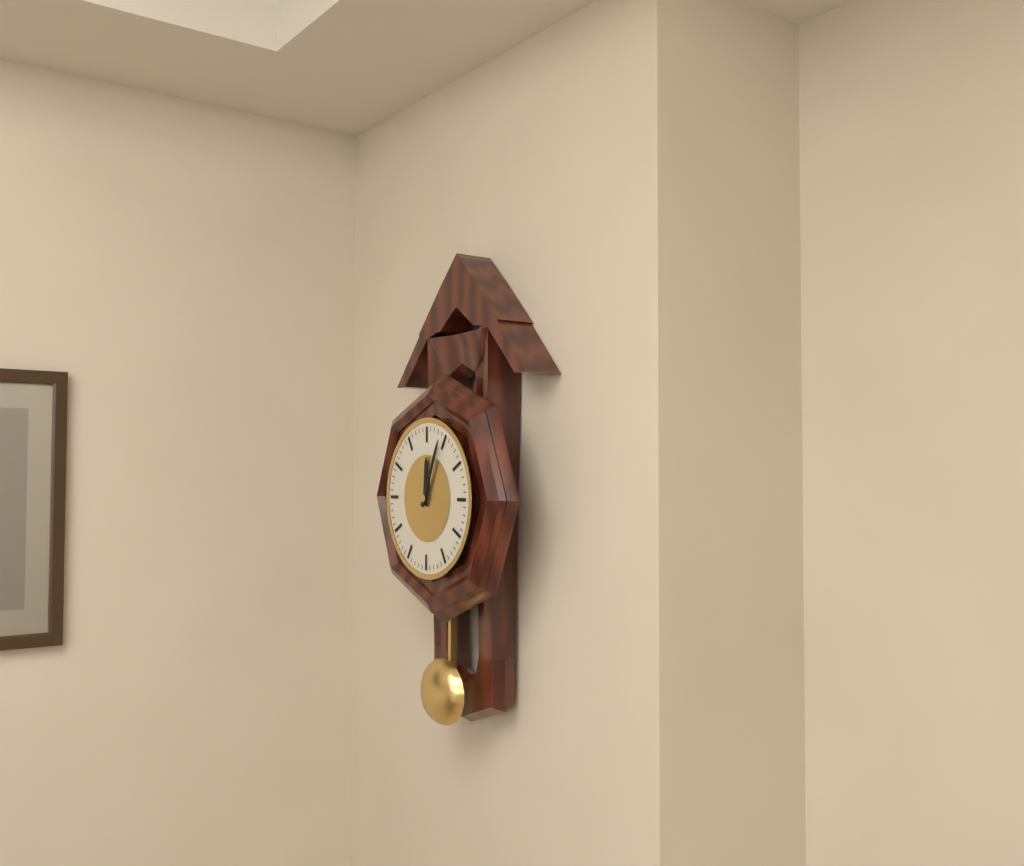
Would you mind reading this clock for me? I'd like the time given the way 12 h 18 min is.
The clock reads 12 h 04 min
